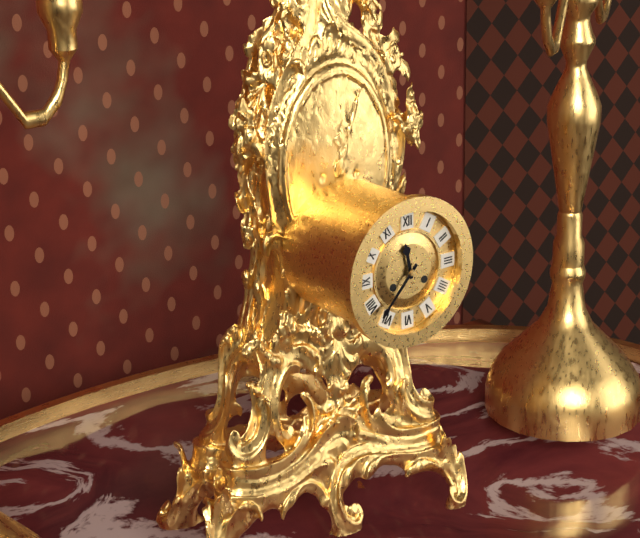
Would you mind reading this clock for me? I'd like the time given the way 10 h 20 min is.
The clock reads 11 h 37 min
